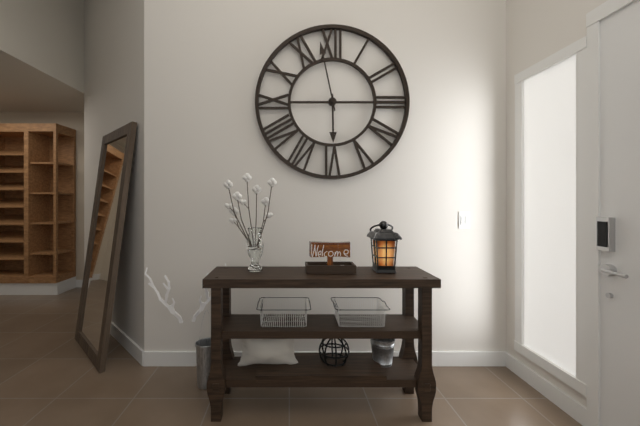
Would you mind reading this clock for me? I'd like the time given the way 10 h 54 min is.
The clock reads 5 h 58 min
